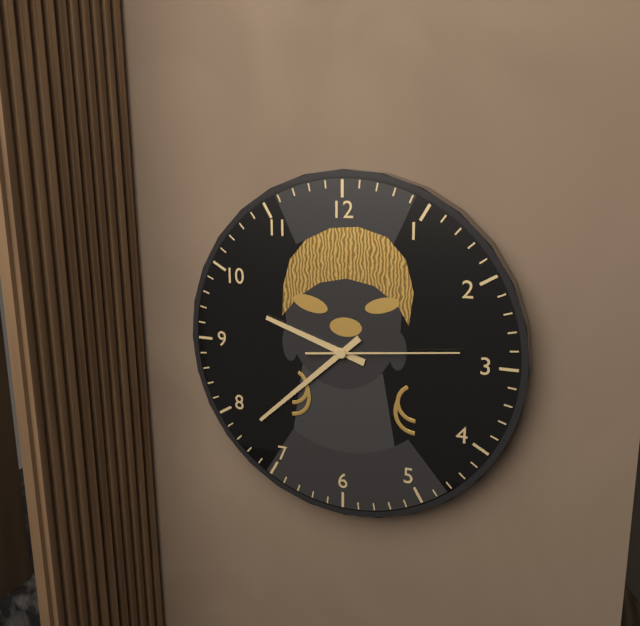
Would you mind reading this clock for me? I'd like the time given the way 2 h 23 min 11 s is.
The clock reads 9 h 38 min 14 s
